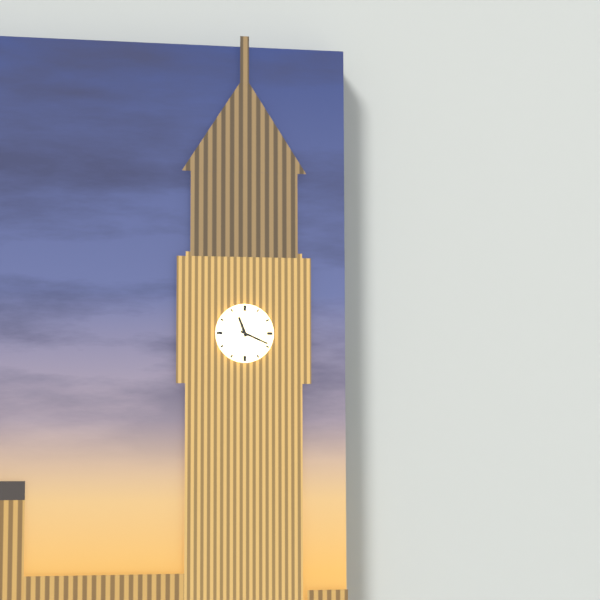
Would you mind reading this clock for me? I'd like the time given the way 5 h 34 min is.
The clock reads 11 h 19 min
